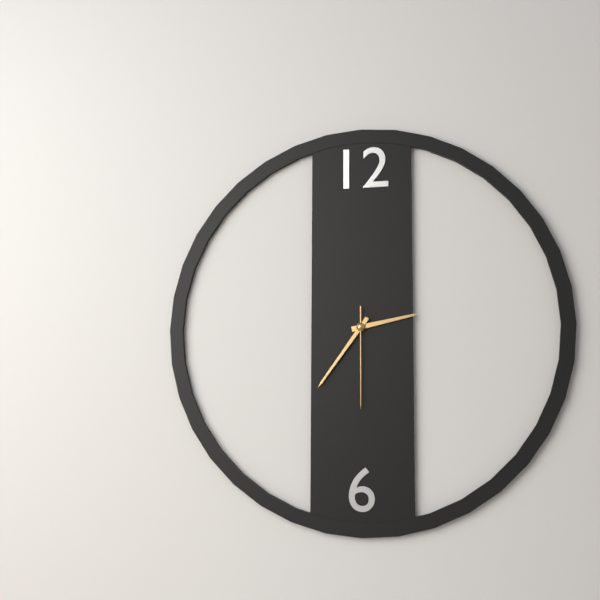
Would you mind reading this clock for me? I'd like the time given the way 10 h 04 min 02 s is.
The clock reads 2 h 36 min 30 s
